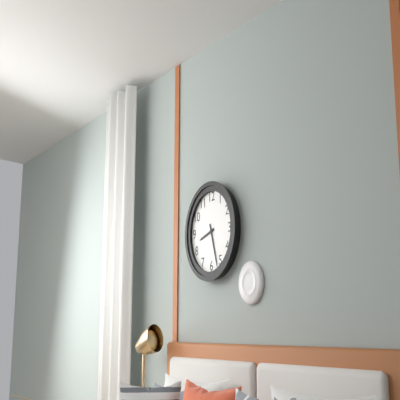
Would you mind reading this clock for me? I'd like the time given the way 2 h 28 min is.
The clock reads 8 h 27 min
